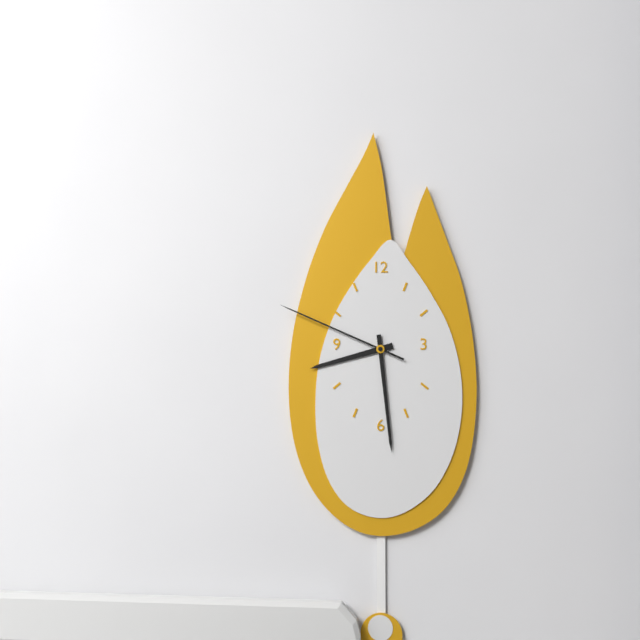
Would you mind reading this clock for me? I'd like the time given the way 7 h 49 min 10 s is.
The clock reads 8 h 29 min 49 s
